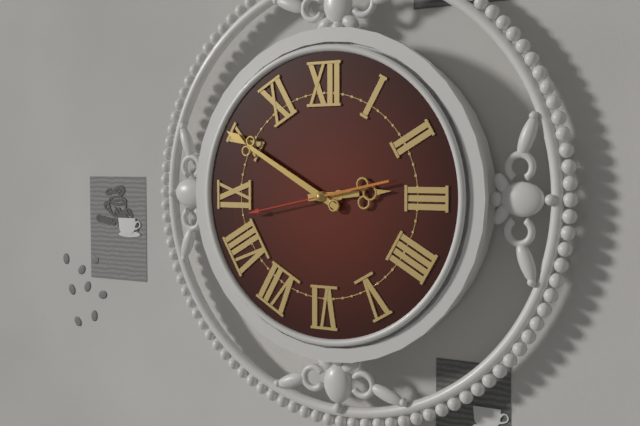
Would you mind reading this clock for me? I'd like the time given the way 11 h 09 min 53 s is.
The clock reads 2 h 50 min 43 s
